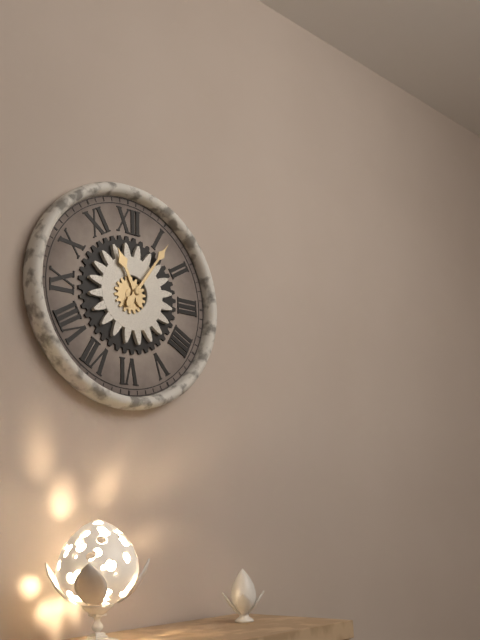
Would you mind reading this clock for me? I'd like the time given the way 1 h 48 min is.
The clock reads 11 h 06 min
